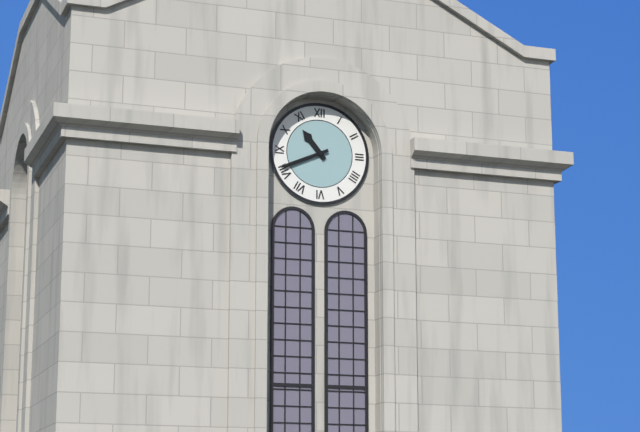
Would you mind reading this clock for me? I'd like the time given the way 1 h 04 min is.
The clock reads 10 h 41 min
